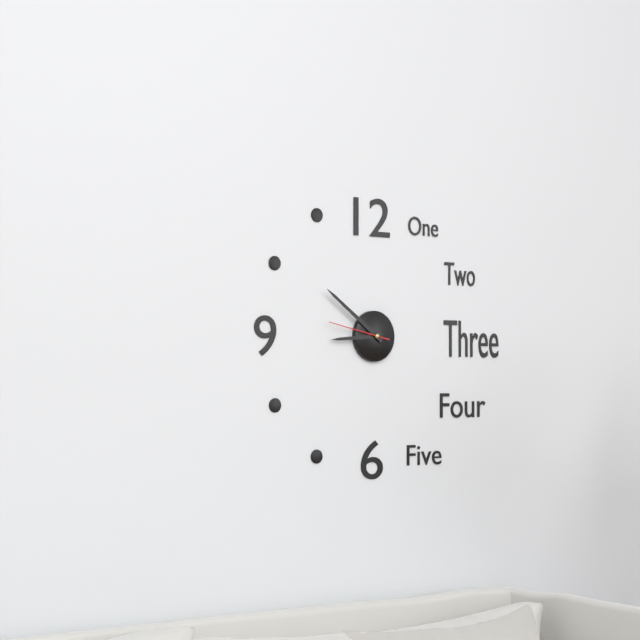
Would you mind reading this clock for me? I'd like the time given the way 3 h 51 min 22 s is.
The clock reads 8 h 51 min 47 s
